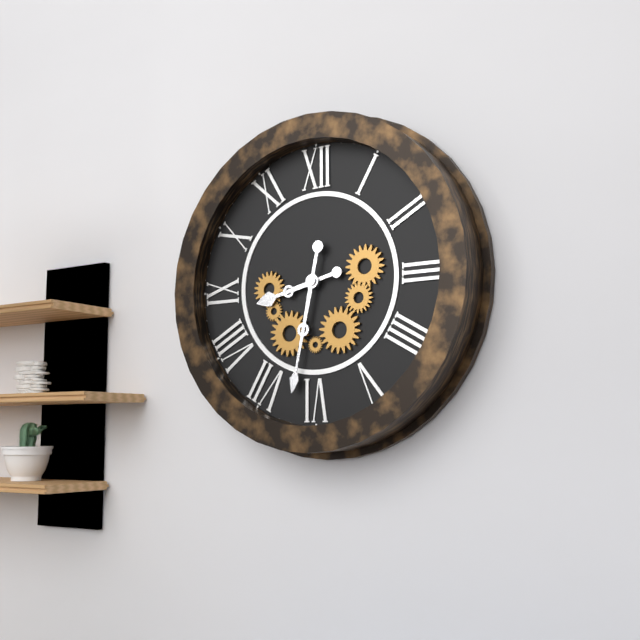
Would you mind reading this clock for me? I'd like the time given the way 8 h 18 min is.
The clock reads 8 h 32 min
